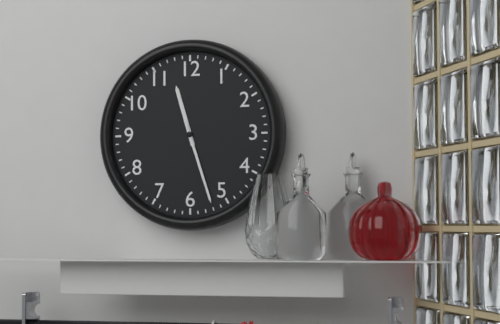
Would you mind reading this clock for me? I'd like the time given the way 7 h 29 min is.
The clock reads 11 h 27 min
